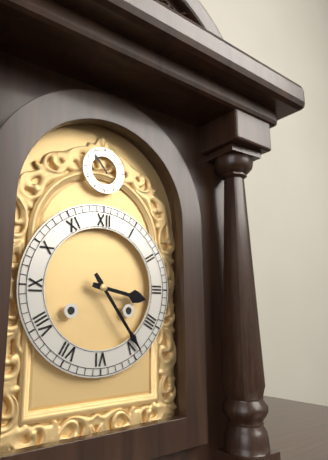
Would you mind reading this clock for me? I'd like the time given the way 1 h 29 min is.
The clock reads 3 h 24 min
